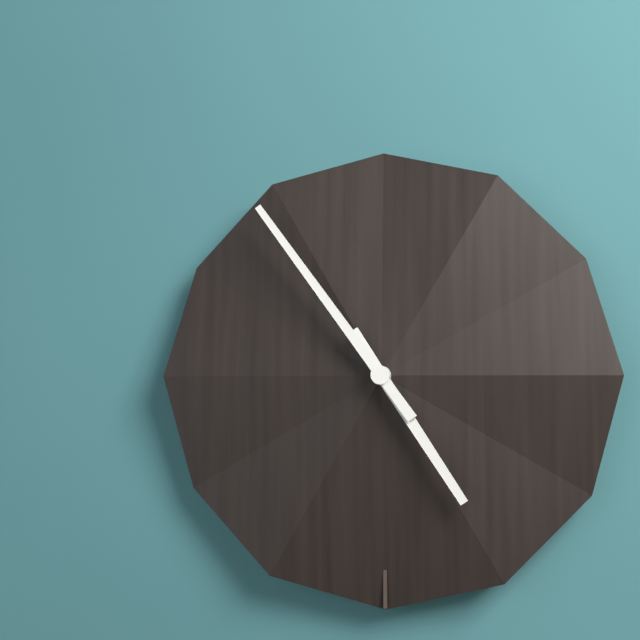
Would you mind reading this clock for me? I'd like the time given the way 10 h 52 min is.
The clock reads 4 h 54 min
